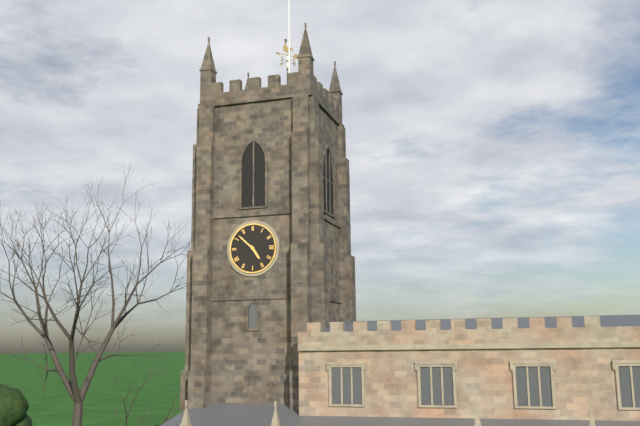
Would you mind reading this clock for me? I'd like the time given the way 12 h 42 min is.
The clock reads 4 h 52 min
